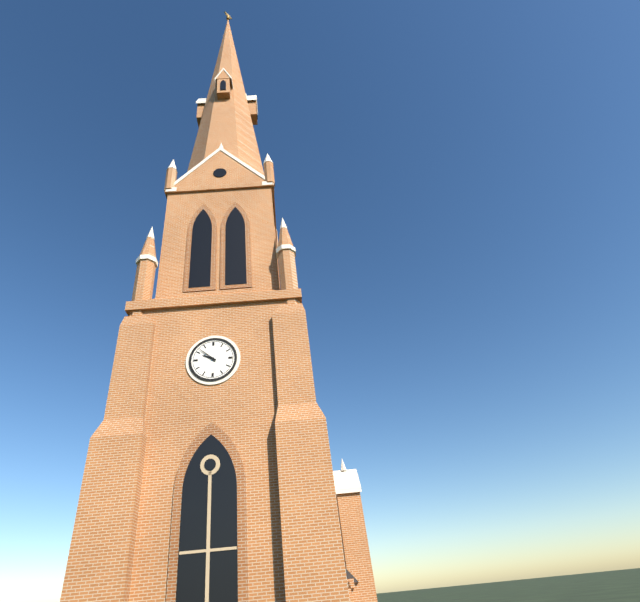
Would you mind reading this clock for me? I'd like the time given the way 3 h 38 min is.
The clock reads 9 h 52 min
